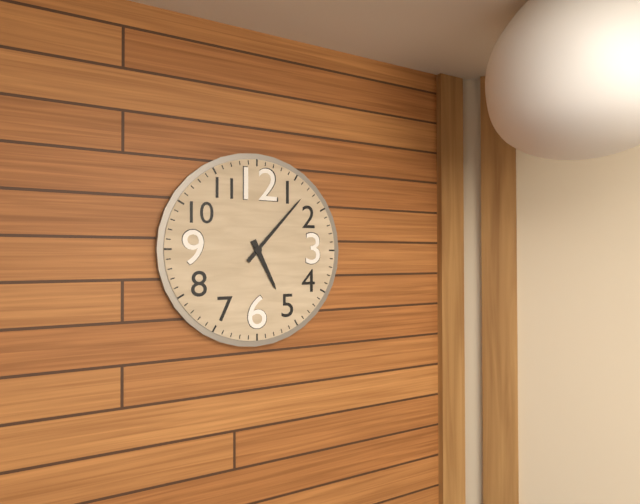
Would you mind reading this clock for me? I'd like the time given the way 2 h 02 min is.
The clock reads 5 h 07 min
